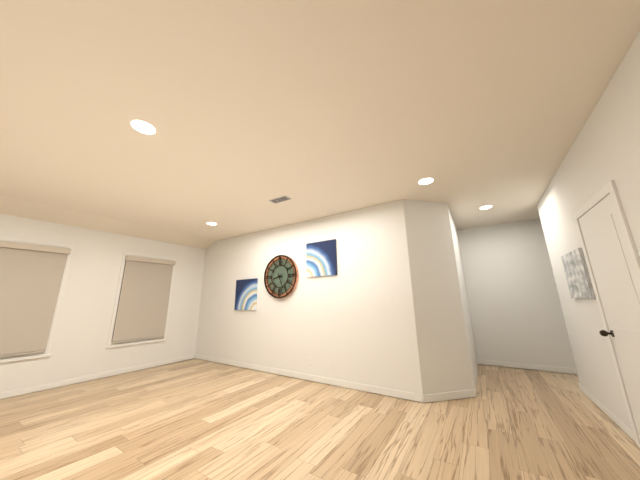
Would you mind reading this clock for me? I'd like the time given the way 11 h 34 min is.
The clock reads 8 h 26 min
